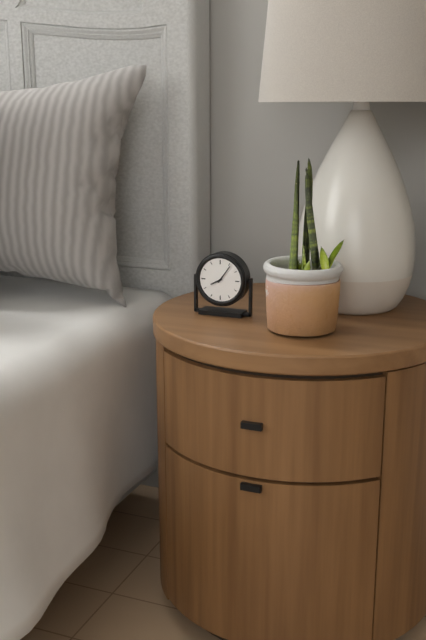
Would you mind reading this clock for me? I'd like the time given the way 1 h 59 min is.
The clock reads 8 h 06 min
